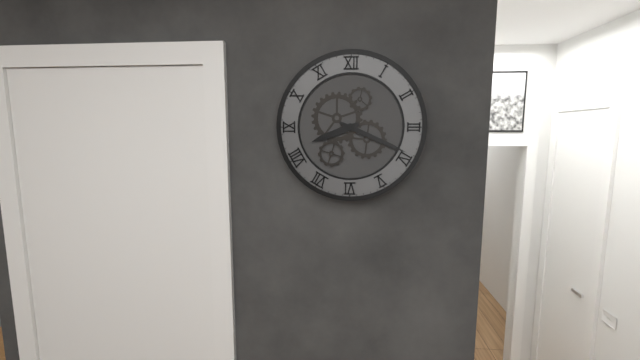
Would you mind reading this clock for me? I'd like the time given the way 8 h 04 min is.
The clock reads 8 h 19 min
